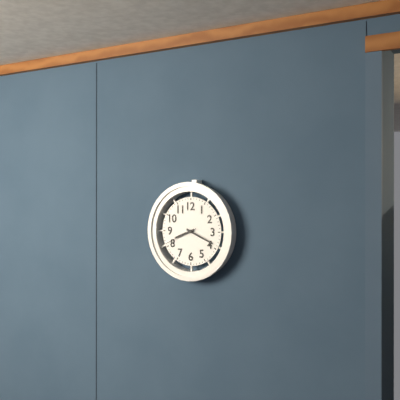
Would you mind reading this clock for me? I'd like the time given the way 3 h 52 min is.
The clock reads 8 h 19 min
